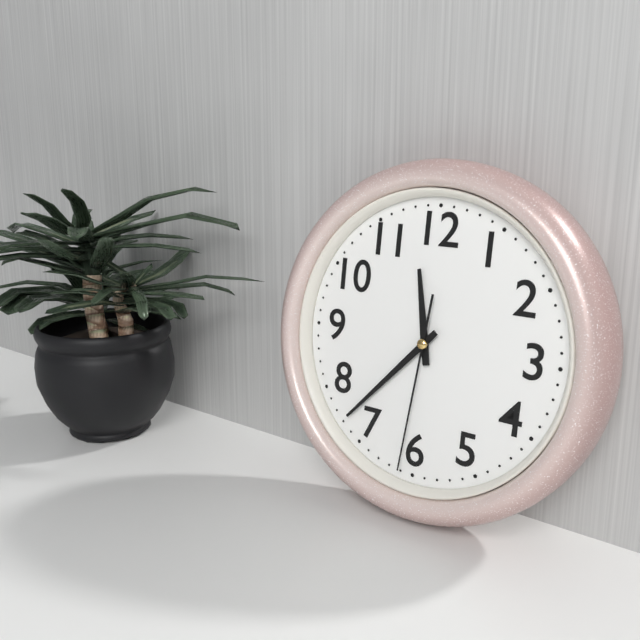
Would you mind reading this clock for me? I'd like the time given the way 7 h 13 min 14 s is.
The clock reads 11 h 37 min 31 s
